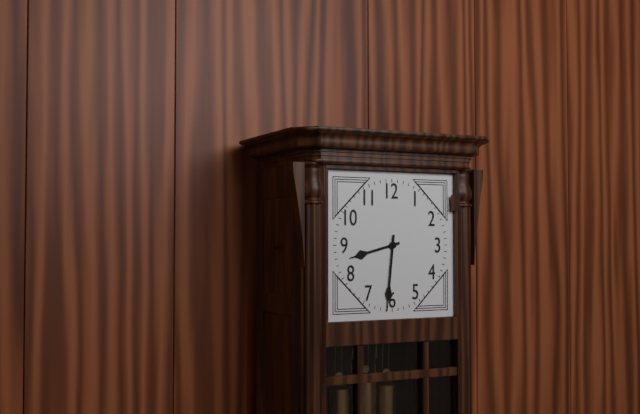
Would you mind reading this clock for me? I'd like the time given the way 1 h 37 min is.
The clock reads 8 h 31 min
